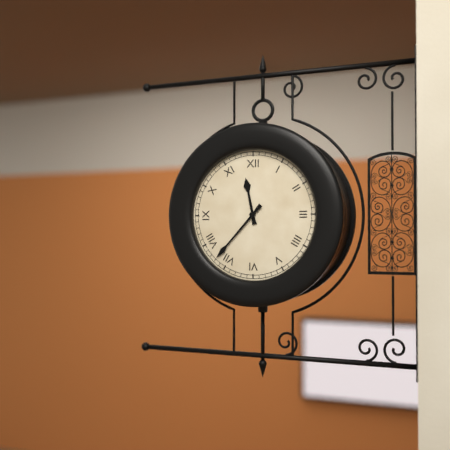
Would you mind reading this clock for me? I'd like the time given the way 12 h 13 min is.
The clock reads 11 h 37 min
